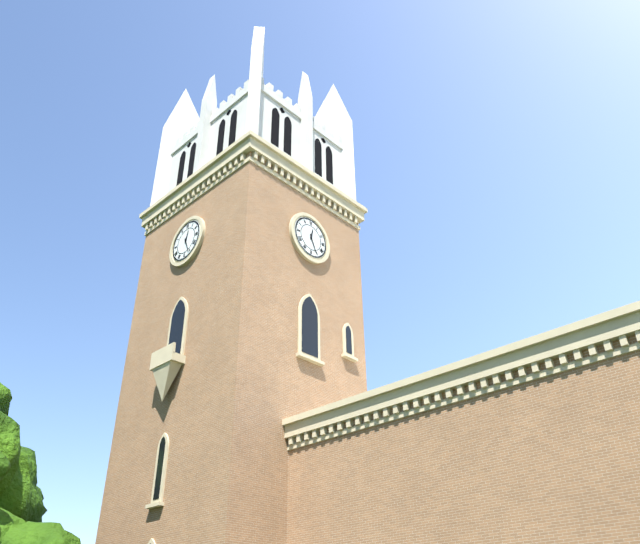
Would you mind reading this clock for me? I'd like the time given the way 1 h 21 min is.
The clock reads 12 h 26 min
